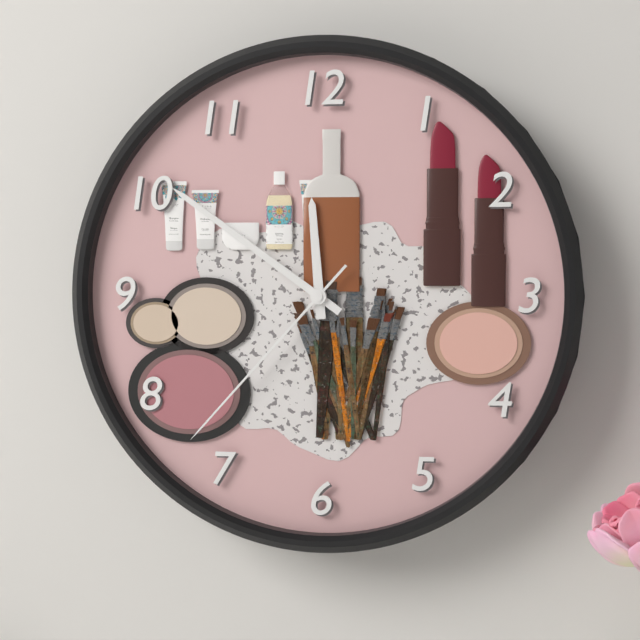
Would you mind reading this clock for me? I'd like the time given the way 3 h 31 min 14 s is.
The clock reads 11 h 51 min 37 s
